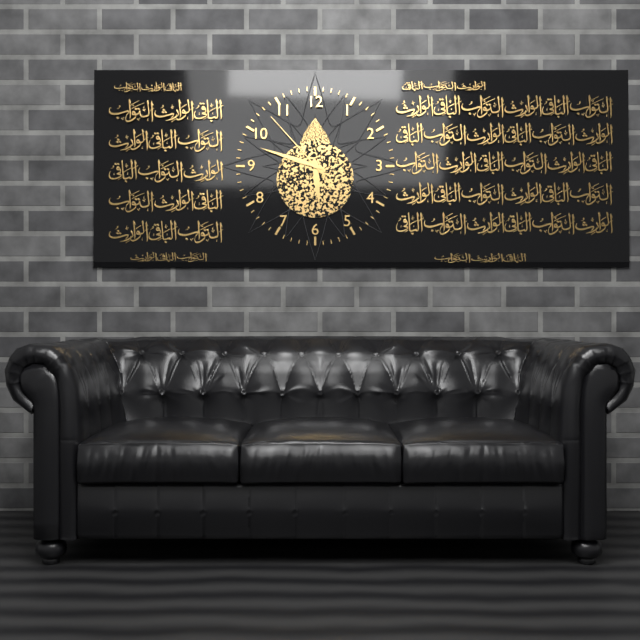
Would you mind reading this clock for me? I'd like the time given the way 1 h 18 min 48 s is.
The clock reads 5 h 48 min 53 s
